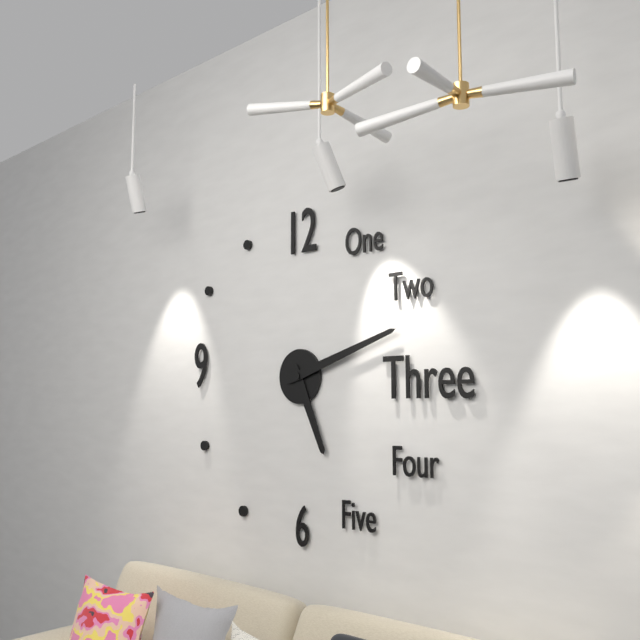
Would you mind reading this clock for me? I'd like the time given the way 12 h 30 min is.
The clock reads 5 h 12 min
